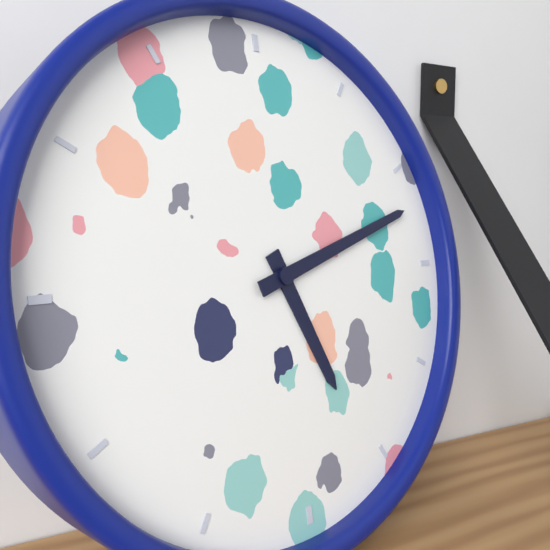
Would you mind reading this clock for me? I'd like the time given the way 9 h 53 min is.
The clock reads 5 h 12 min
